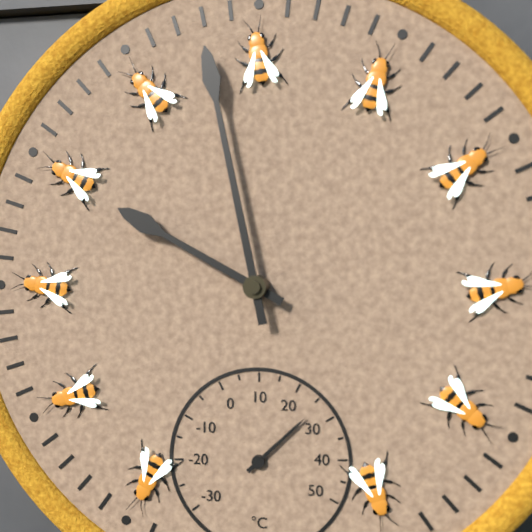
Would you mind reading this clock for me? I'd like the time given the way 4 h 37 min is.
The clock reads 9 h 58 min
